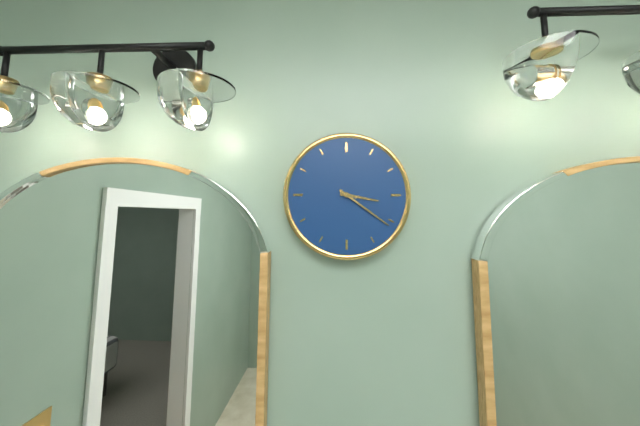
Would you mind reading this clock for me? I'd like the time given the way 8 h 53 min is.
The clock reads 3 h 21 min
